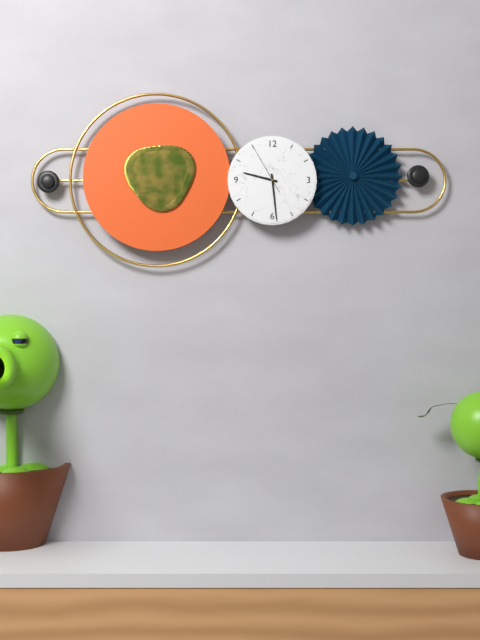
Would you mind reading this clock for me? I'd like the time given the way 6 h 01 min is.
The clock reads 9 h 29 min
